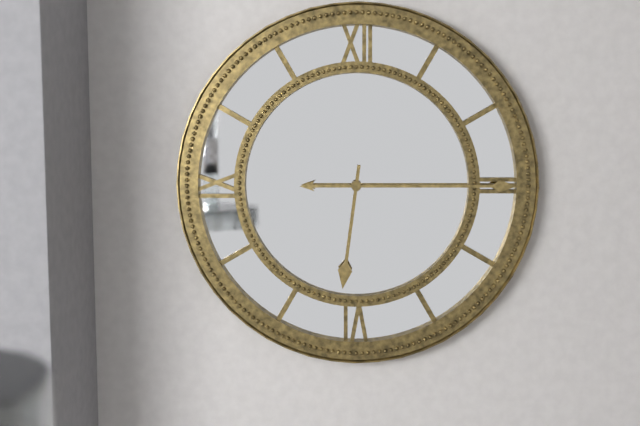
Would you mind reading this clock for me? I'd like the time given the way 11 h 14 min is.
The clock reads 6 h 15 min
